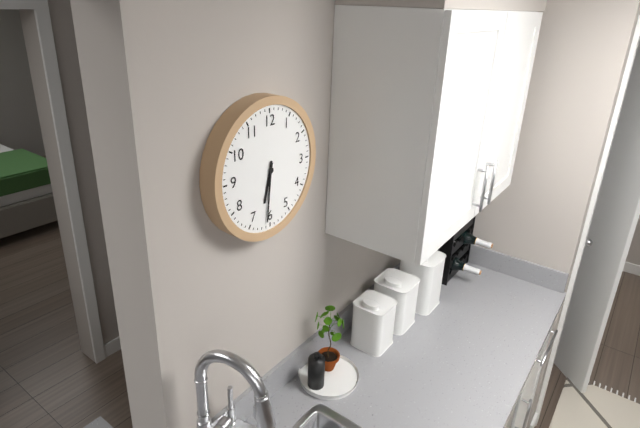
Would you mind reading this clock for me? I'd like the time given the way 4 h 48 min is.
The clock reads 6 h 31 min
